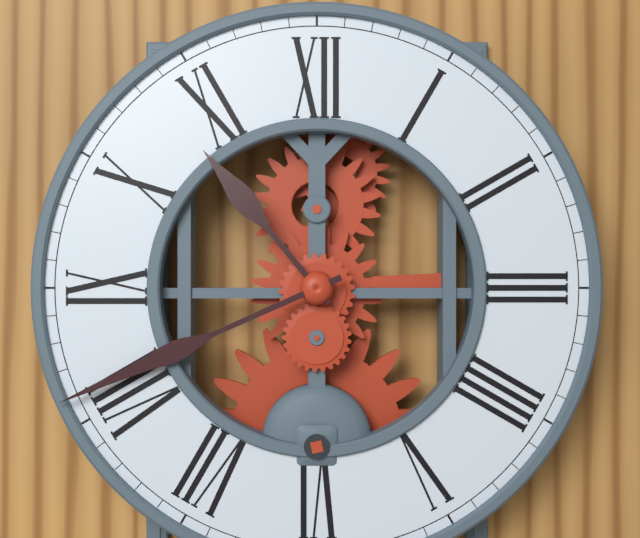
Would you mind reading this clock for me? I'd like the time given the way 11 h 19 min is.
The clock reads 10 h 41 min
